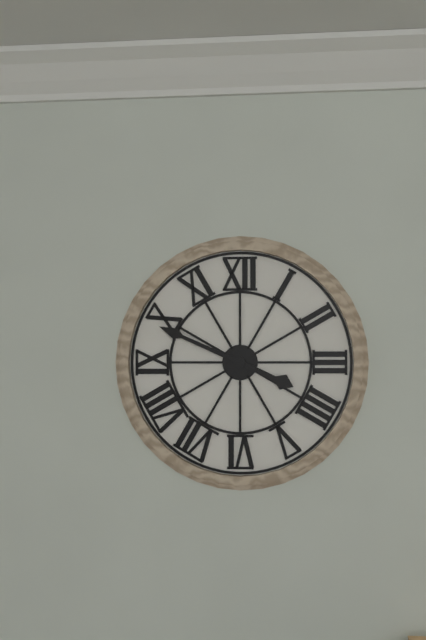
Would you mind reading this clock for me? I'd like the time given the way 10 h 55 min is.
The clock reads 3 h 49 min
